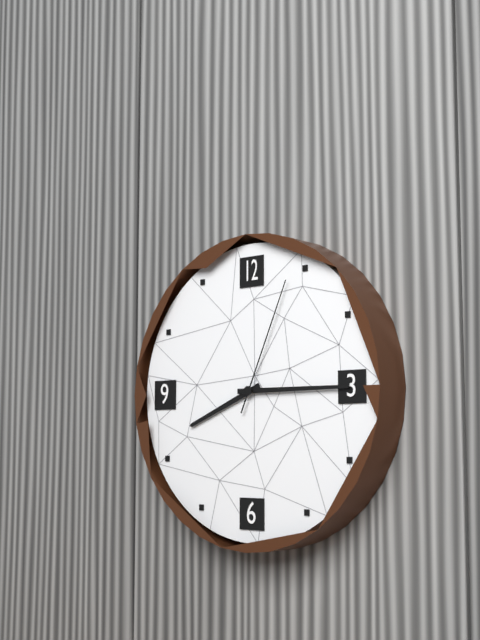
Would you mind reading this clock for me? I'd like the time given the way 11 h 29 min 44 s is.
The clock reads 8 h 15 min 04 s
